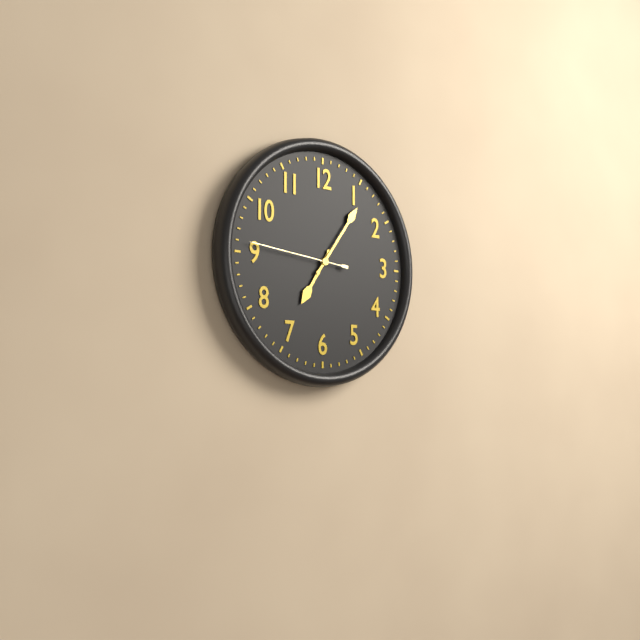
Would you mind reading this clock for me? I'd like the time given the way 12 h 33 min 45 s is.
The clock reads 7 h 06 min 46 s
